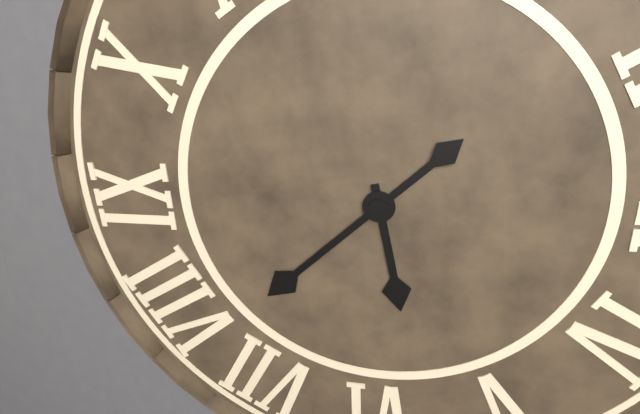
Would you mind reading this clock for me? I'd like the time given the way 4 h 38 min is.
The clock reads 5 h 38 min
